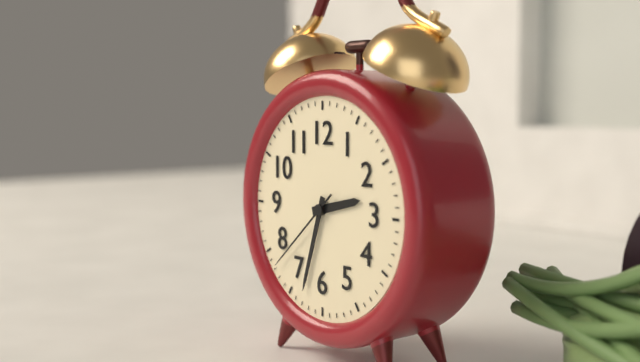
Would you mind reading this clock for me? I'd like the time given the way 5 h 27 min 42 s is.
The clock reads 2 h 33 min 38 s
